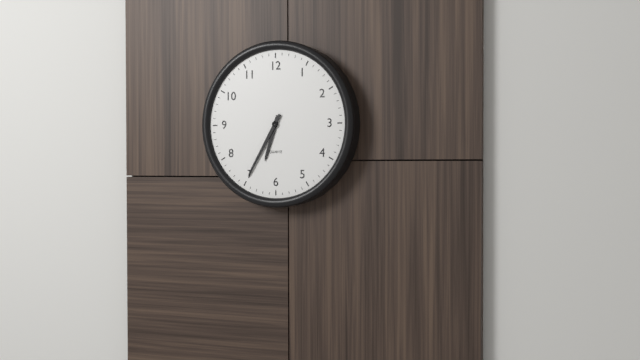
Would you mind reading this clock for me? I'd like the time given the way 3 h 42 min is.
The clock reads 6 h 35 min
